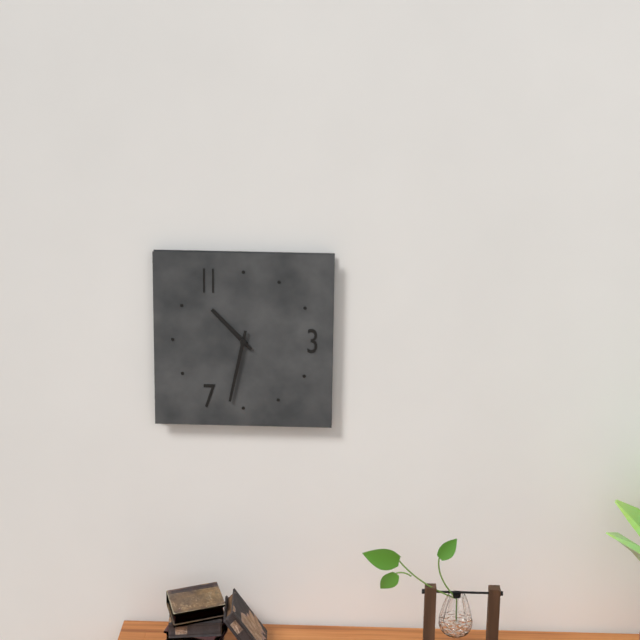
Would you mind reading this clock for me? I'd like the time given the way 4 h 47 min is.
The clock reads 10 h 32 min
